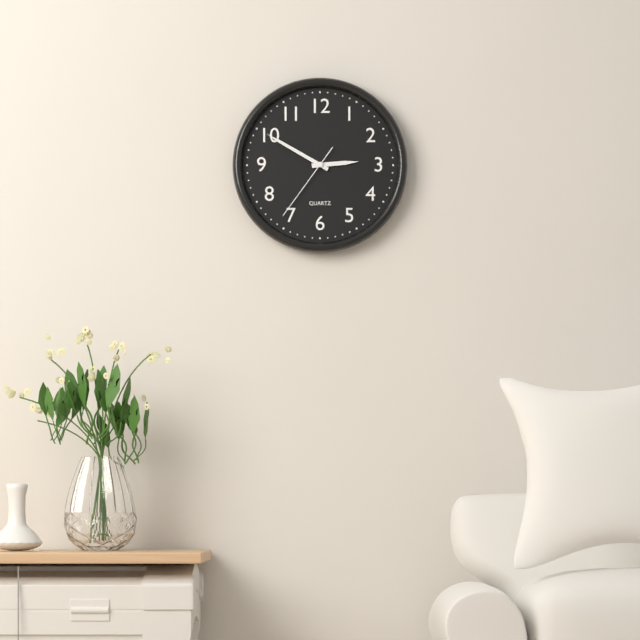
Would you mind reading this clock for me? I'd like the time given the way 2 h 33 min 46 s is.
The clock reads 2 h 50 min 36 s
